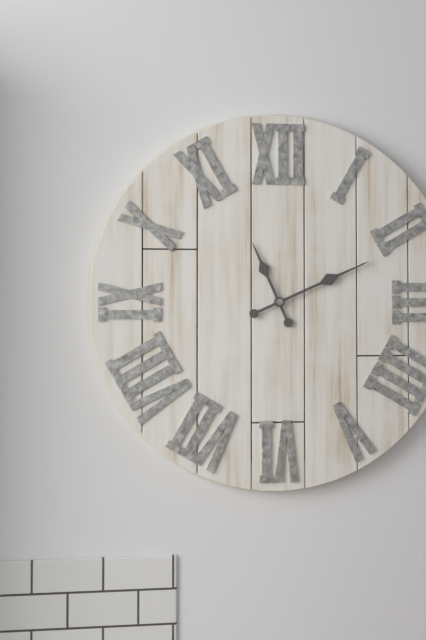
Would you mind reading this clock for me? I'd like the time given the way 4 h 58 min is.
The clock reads 11 h 11 min
